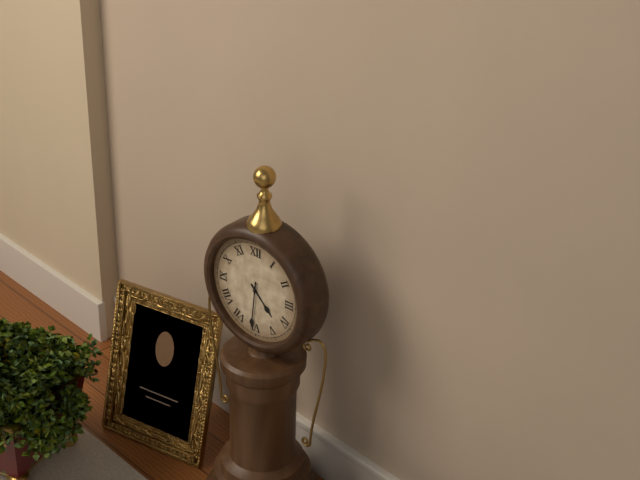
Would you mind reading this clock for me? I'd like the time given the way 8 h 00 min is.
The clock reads 4 h 31 min
